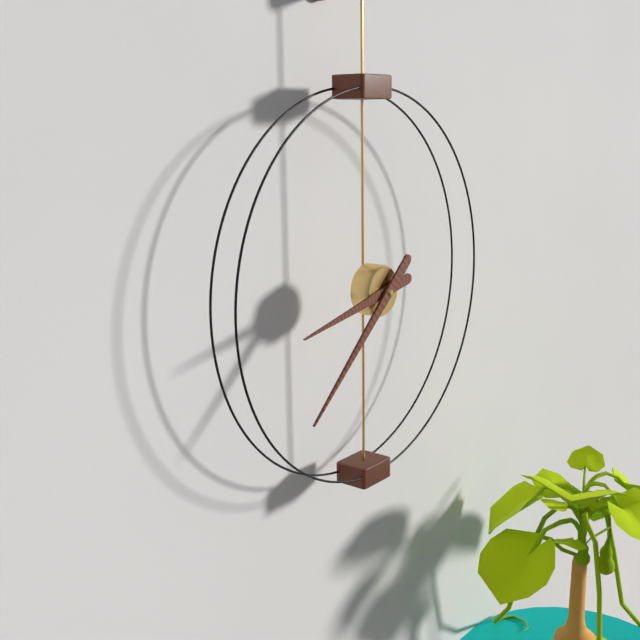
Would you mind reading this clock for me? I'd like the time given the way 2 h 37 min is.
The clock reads 8 h 38 min
